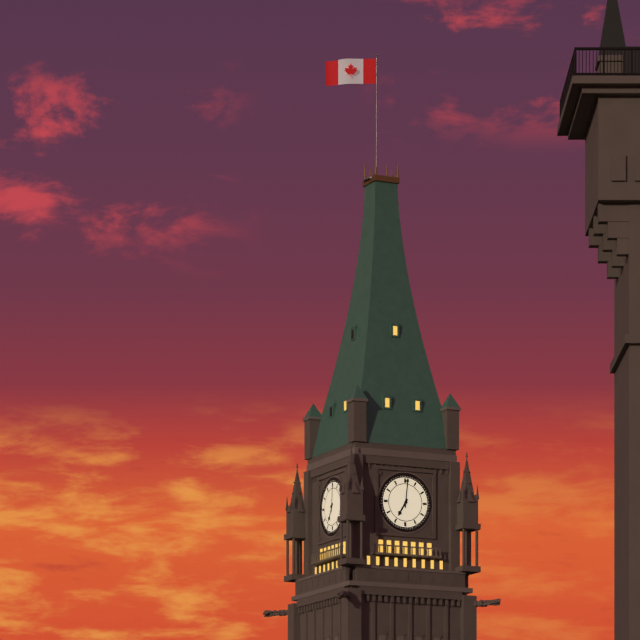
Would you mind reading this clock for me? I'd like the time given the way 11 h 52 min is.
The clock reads 7 h 01 min
